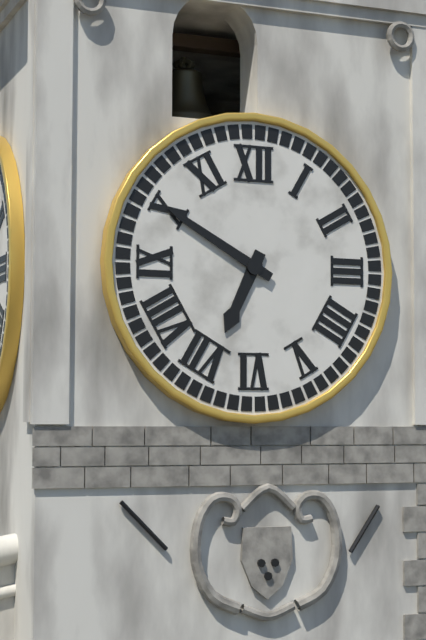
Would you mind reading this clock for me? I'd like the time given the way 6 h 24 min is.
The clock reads 6 h 50 min
